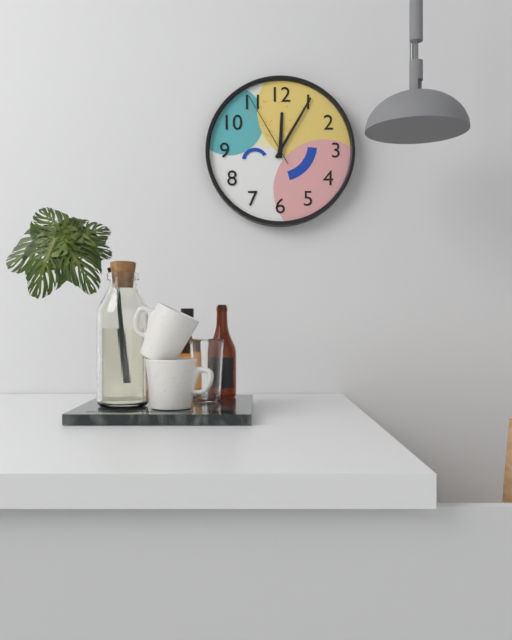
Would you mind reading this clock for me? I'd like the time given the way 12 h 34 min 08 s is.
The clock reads 12 h 05 min 55 s
